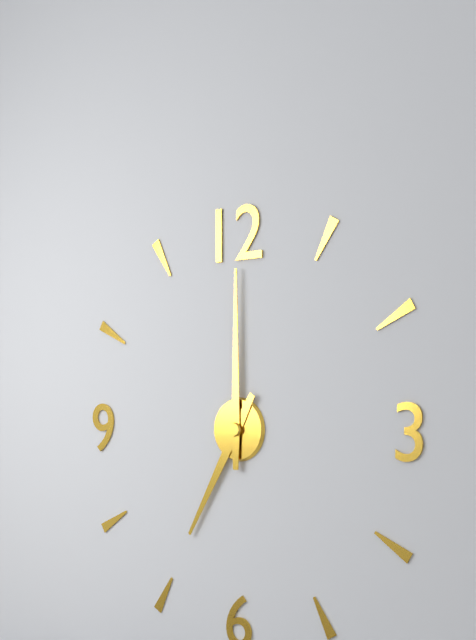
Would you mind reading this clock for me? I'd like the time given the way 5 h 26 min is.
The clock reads 7 h 00 min
